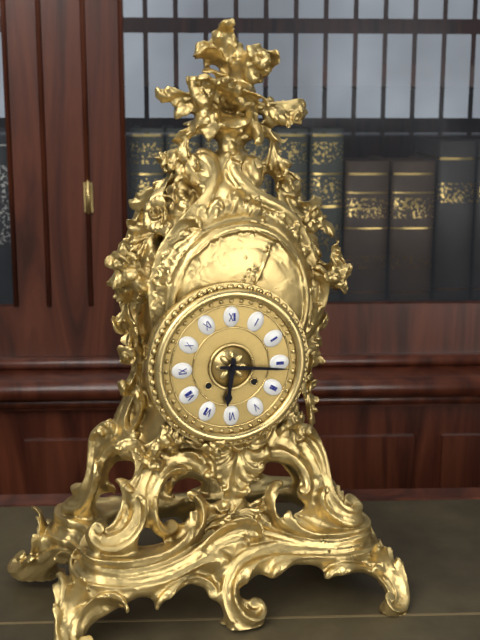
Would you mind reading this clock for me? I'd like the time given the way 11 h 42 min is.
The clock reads 6 h 16 min
